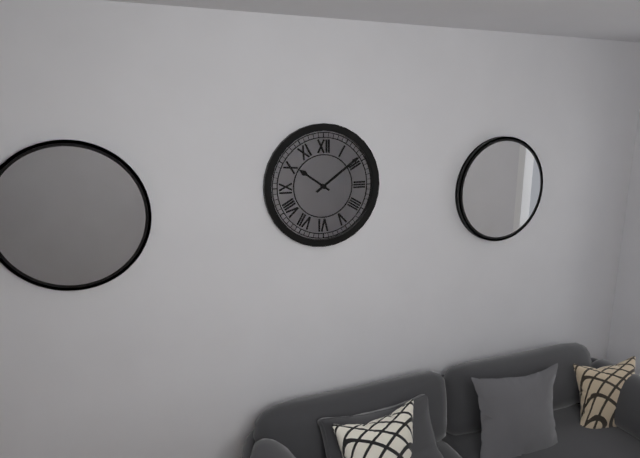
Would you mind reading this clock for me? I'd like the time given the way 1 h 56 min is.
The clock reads 10 h 09 min
